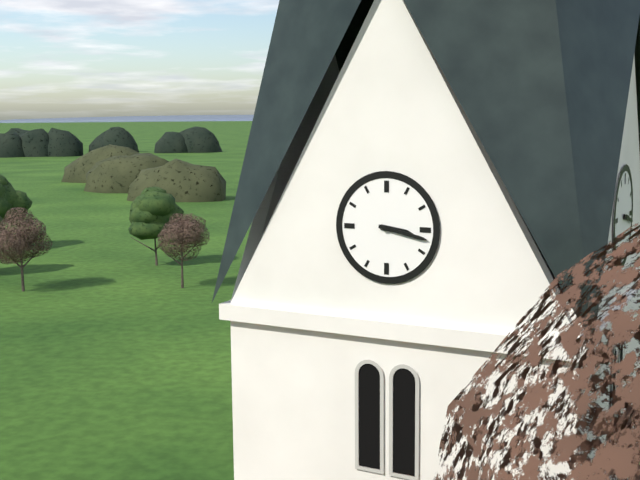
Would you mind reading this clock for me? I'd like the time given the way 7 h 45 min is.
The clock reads 3 h 17 min
